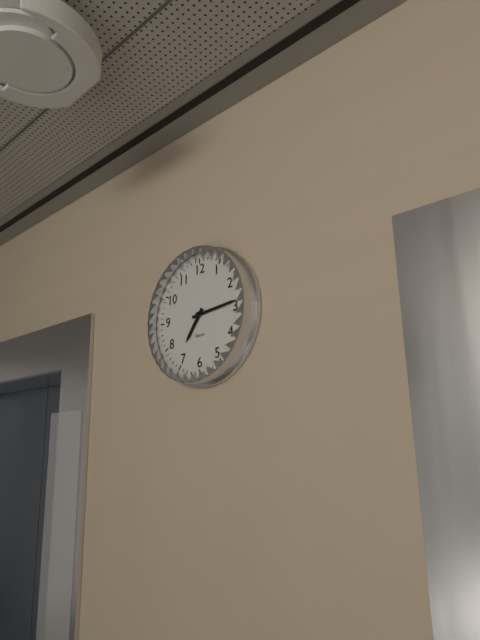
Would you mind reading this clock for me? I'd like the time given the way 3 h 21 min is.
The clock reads 7 h 14 min
